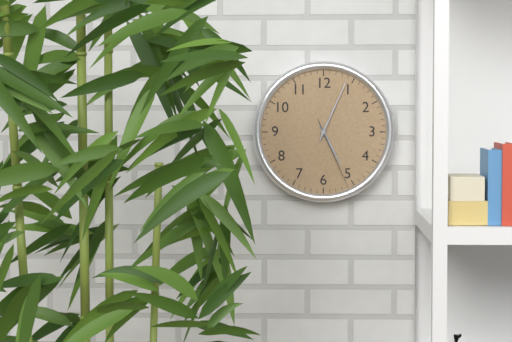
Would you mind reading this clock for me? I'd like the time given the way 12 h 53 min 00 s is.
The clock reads 5 h 04 min 26 s
